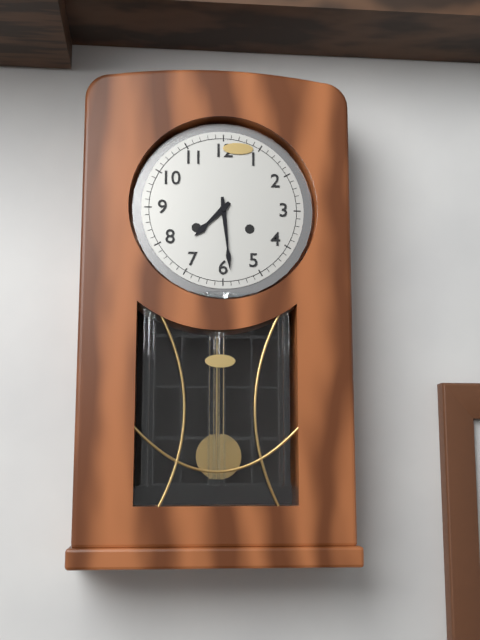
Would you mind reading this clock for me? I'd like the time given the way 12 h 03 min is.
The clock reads 7 h 29 min
